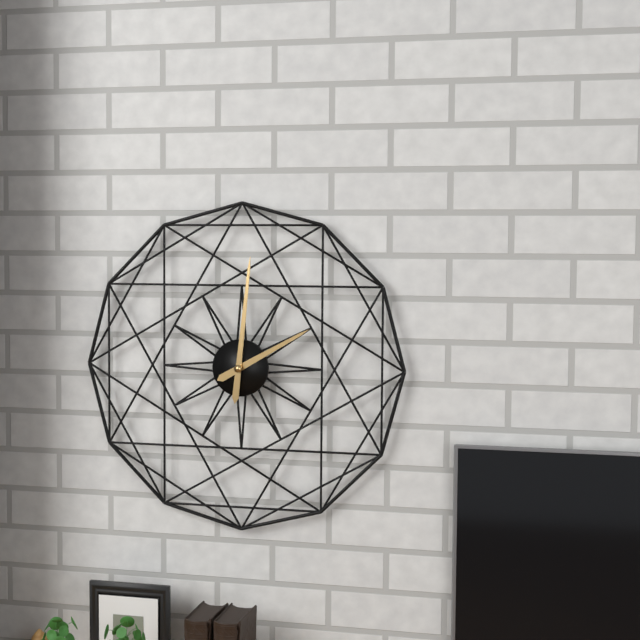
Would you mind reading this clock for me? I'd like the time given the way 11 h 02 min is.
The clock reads 2 h 01 min
